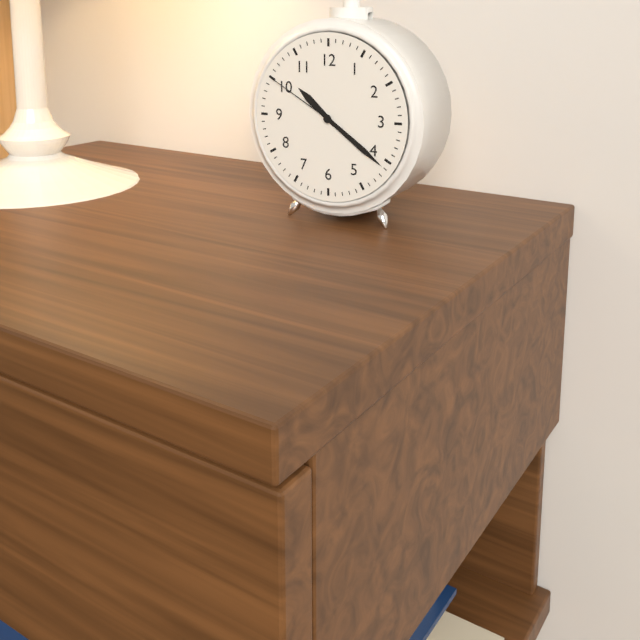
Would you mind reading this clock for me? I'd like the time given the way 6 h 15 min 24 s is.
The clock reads 10 h 21 min 50 s
